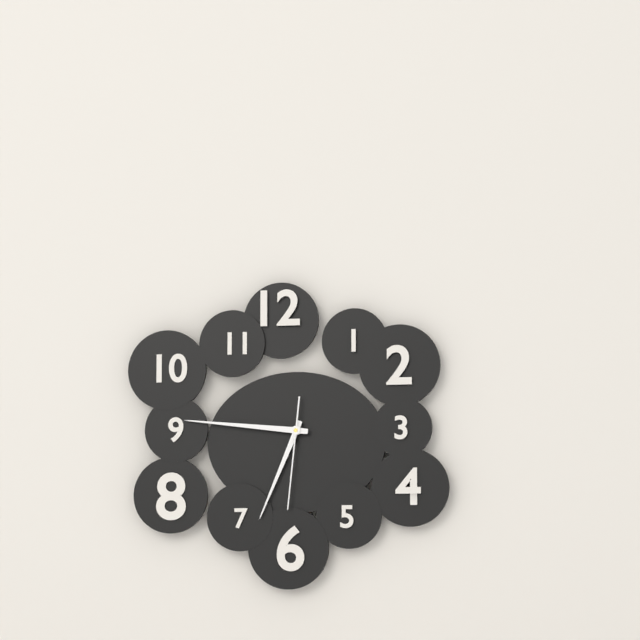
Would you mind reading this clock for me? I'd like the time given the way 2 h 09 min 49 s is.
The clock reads 6 h 46 min 31 s
